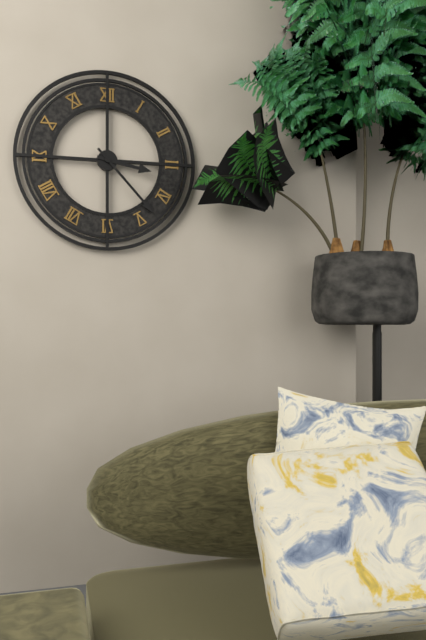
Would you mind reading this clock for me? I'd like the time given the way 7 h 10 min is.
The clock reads 3 h 23 min
